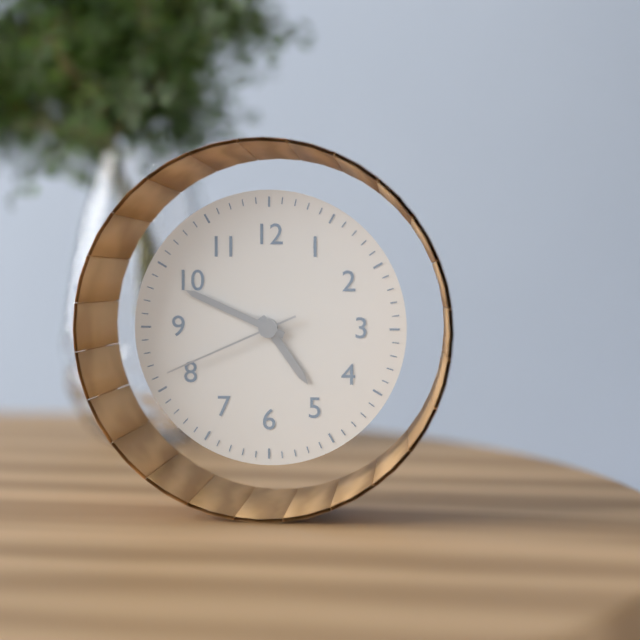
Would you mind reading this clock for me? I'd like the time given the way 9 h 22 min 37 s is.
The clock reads 4 h 49 min 41 s
